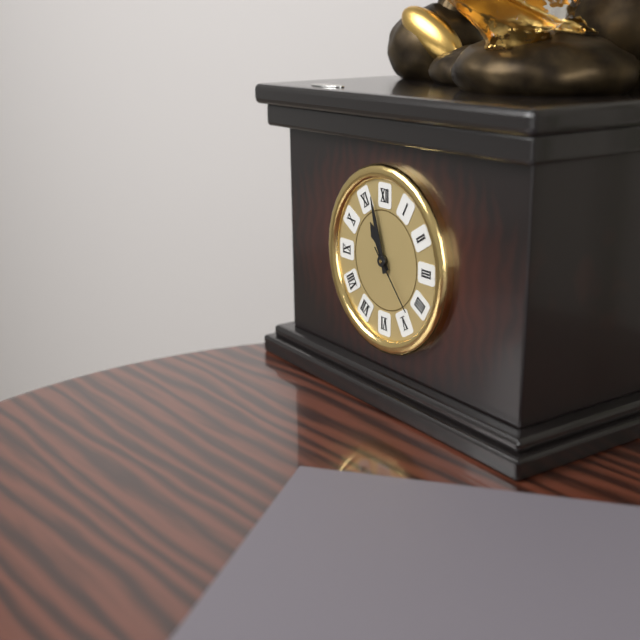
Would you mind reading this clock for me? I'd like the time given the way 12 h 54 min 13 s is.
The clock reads 10 h 57 min 23 s
